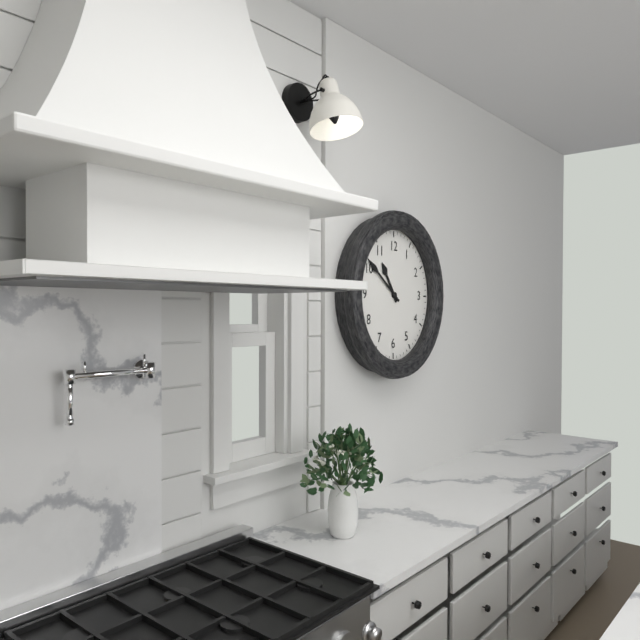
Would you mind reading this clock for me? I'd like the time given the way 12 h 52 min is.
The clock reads 10 h 51 min
